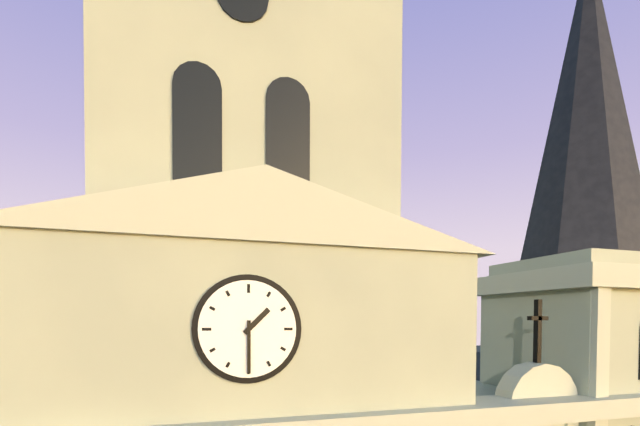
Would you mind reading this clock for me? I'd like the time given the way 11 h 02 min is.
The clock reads 1 h 30 min
